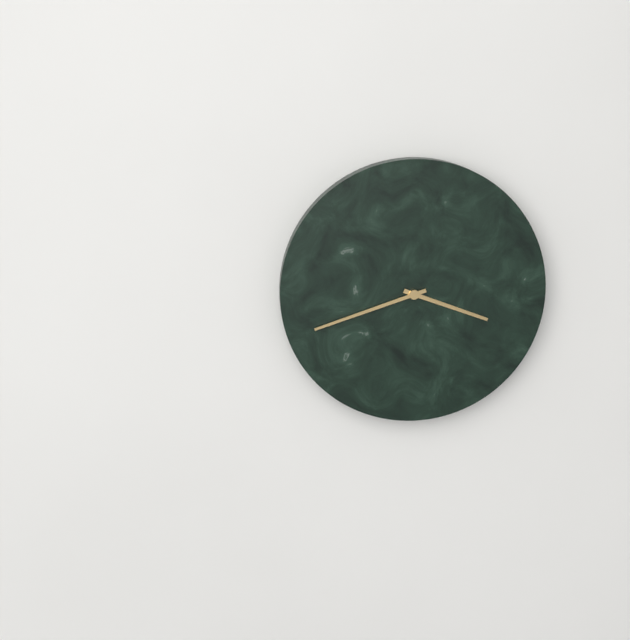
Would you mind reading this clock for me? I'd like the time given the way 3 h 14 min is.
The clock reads 3 h 42 min
